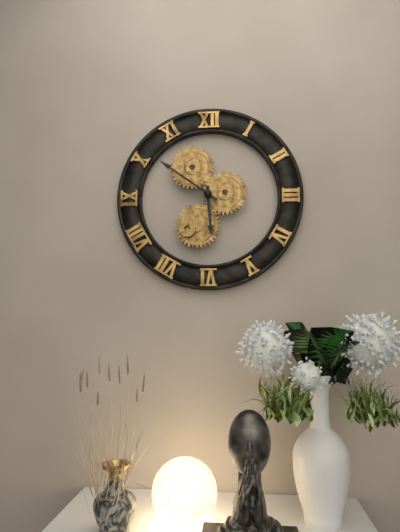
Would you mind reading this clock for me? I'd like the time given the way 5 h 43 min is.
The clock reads 5 h 51 min
